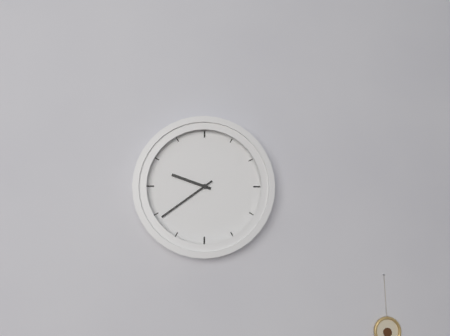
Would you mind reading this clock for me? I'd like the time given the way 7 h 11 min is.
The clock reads 9 h 39 min
